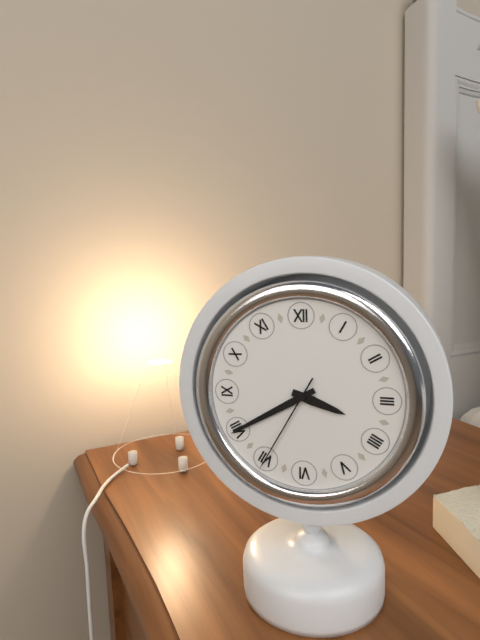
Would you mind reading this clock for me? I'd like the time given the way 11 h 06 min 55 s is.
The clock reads 3 h 40 min 35 s
